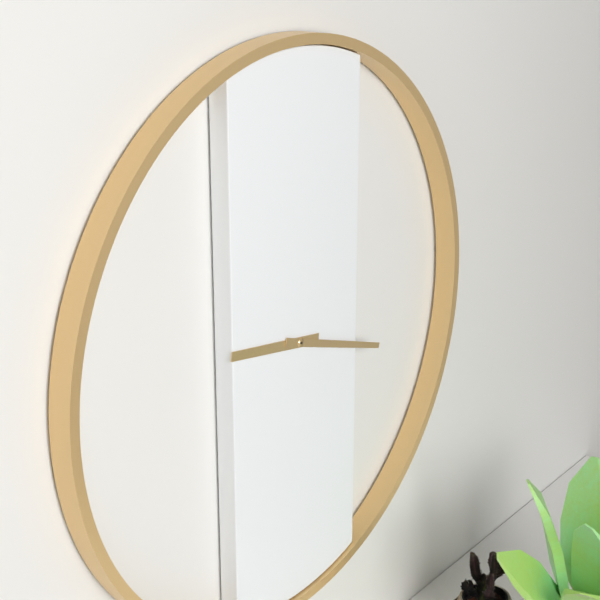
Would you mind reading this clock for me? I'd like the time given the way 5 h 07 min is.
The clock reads 9 h 18 min
